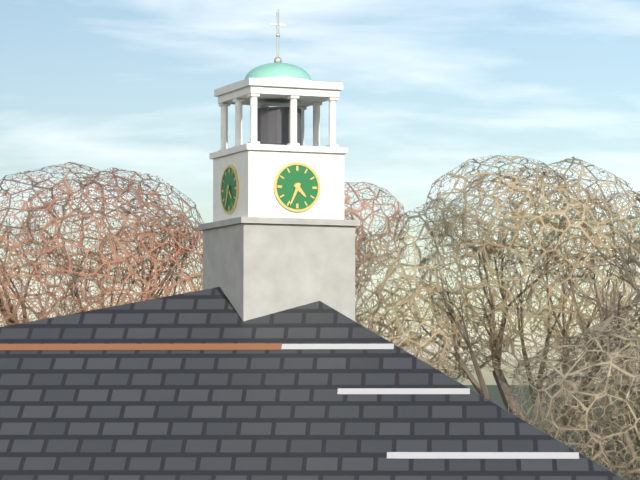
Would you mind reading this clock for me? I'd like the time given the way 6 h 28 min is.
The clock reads 4 h 34 min
